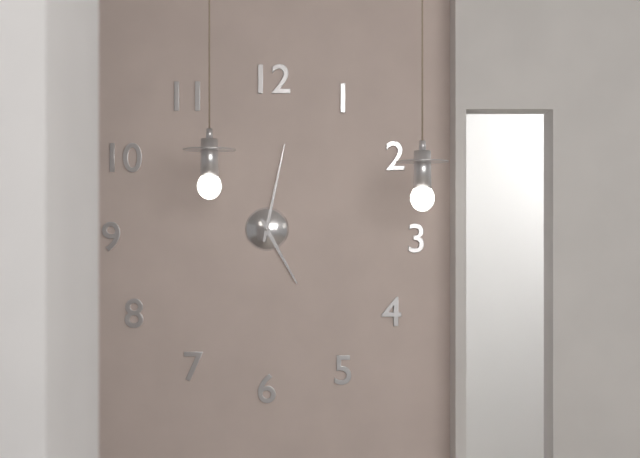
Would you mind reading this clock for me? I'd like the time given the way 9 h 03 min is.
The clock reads 5 h 02 min
